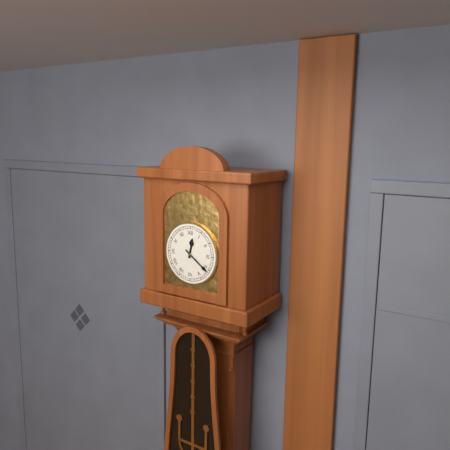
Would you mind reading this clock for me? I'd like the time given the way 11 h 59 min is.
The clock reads 12 h 21 min
